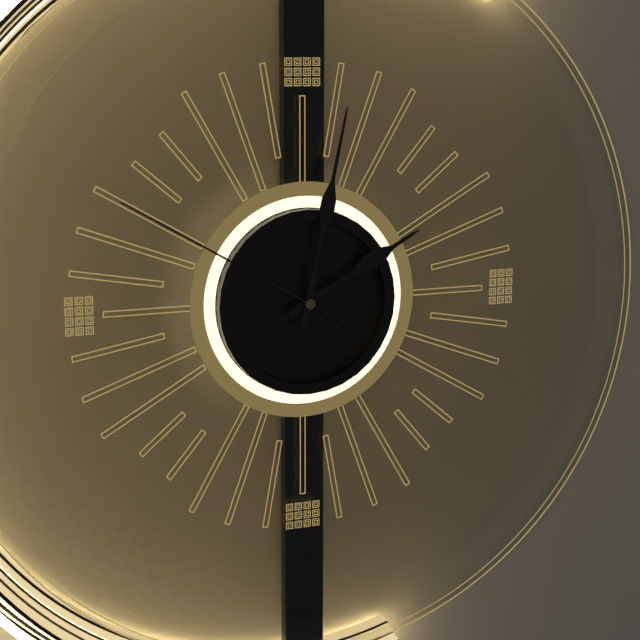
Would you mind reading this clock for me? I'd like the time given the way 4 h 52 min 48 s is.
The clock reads 2 h 02 min 50 s
